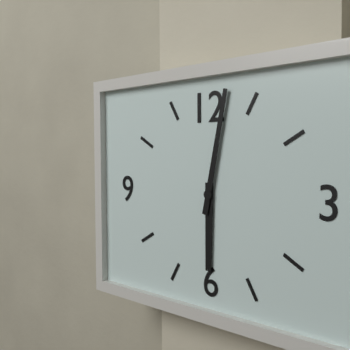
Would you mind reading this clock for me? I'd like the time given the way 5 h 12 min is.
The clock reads 6 h 02 min
